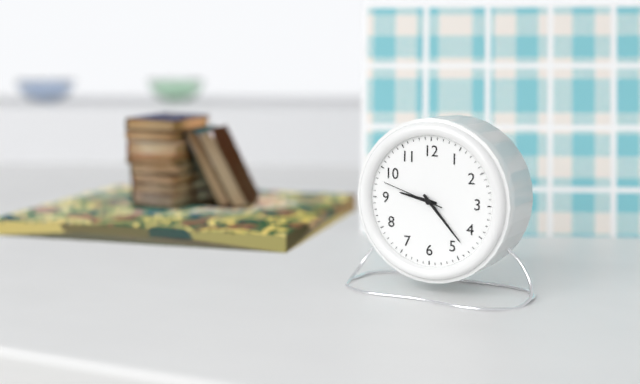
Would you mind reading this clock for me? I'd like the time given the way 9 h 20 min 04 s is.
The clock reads 9 h 23 min 48 s
